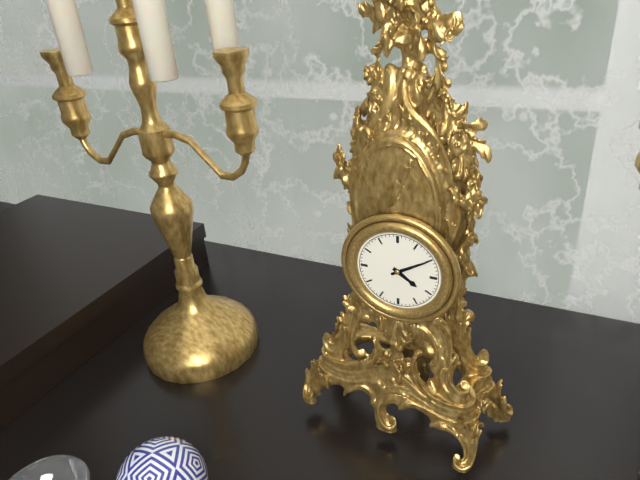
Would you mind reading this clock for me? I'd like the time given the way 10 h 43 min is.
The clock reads 4 h 10 min
